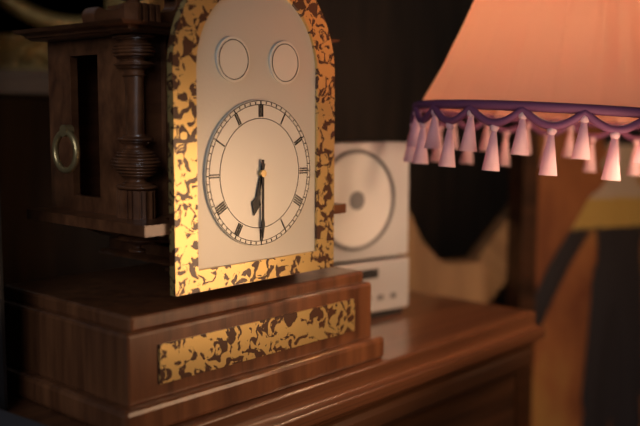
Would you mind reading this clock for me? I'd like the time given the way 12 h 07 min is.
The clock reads 6 h 30 min
